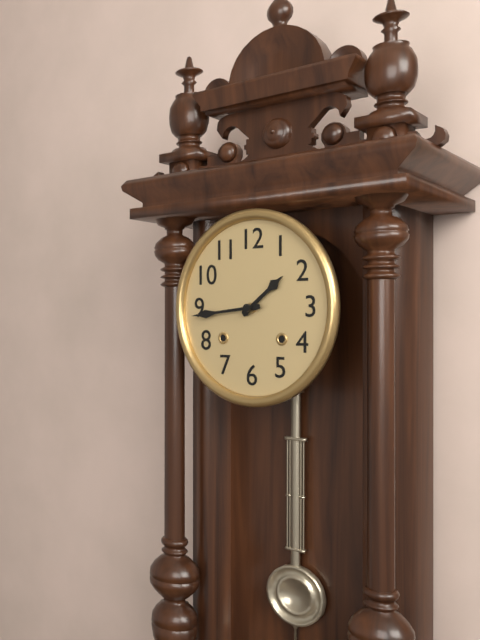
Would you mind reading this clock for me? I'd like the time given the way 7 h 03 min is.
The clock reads 1 h 44 min
